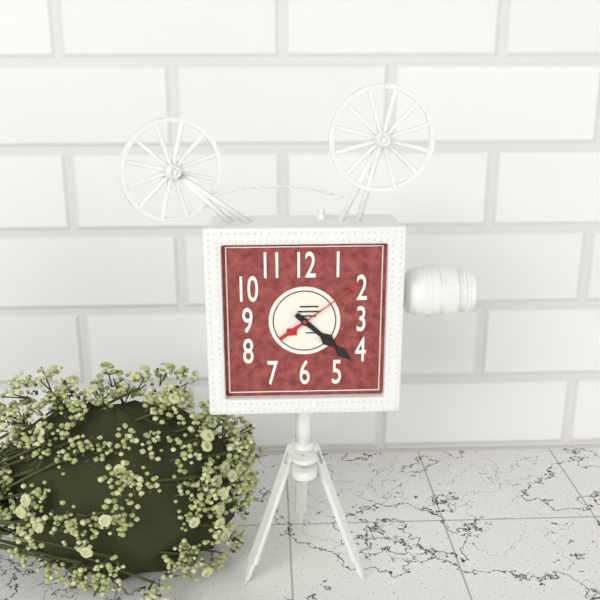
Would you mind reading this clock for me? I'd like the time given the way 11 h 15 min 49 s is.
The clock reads 4 h 22 min 09 s
